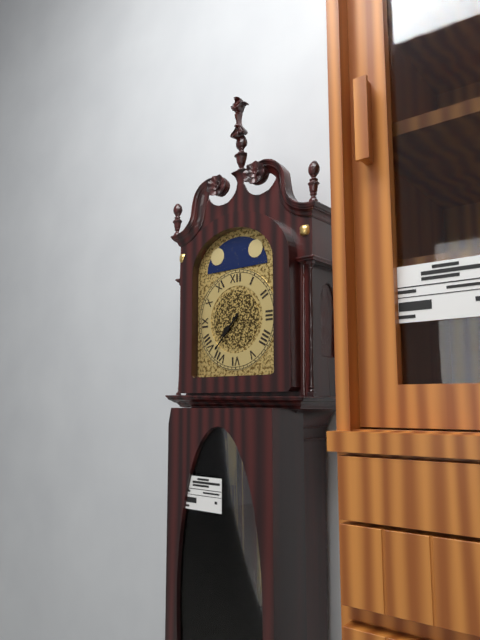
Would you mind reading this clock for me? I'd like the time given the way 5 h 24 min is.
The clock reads 7 h 37 min
